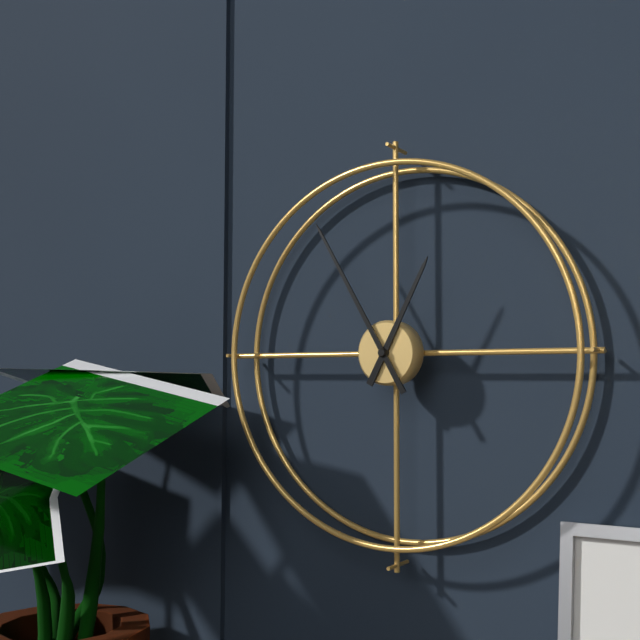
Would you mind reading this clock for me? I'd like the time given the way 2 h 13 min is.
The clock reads 12 h 55 min
